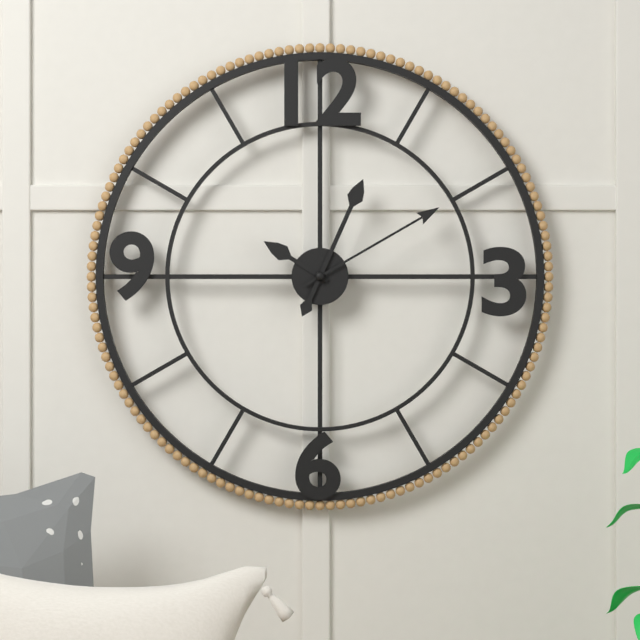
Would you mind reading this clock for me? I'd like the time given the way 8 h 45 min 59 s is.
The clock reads 10 h 04 min 10 s
